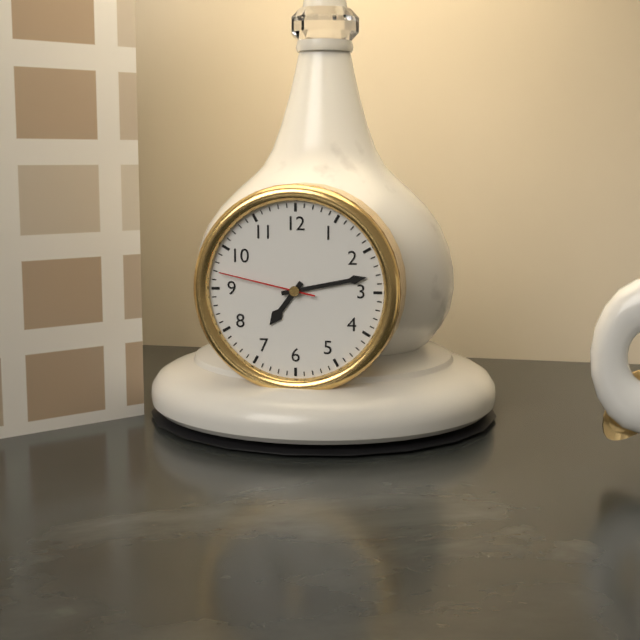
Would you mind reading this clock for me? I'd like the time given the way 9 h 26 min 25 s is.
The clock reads 7 h 13 min 47 s
